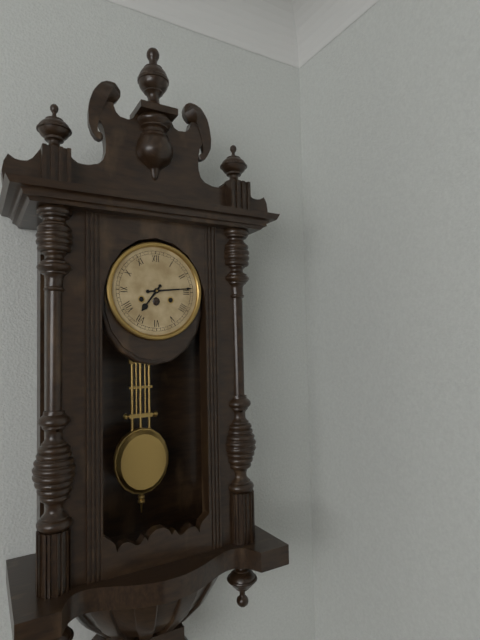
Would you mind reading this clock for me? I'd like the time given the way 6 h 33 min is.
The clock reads 7 h 14 min
